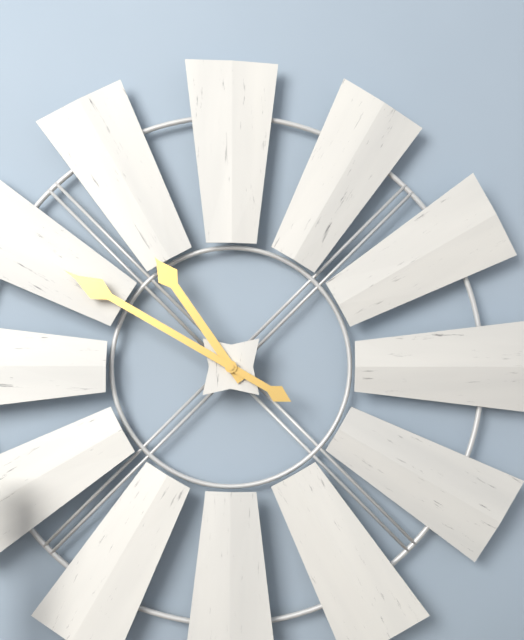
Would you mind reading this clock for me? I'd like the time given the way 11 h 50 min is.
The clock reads 10 h 50 min
